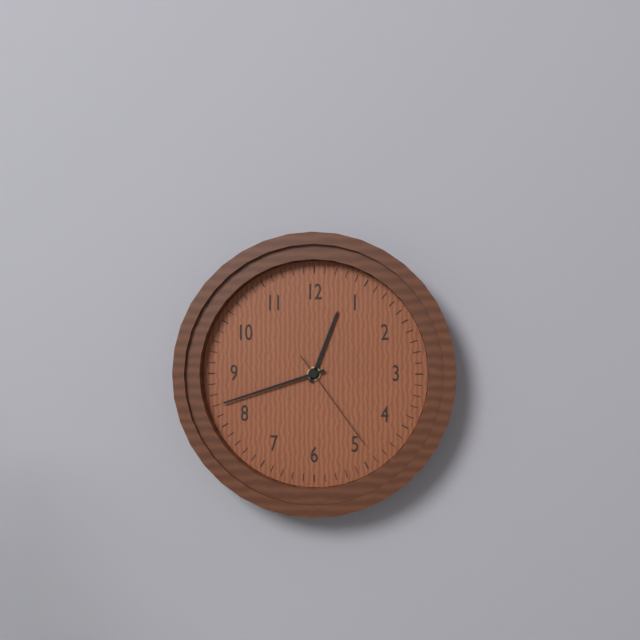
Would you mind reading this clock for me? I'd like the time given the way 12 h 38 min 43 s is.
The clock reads 12 h 42 min 24 s
